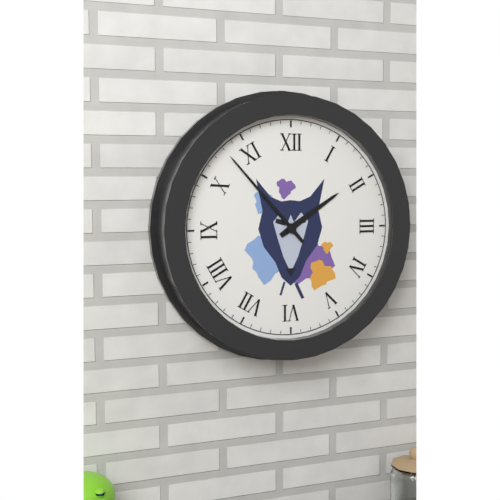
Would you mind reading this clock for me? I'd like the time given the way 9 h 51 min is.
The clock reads 1 h 53 min
